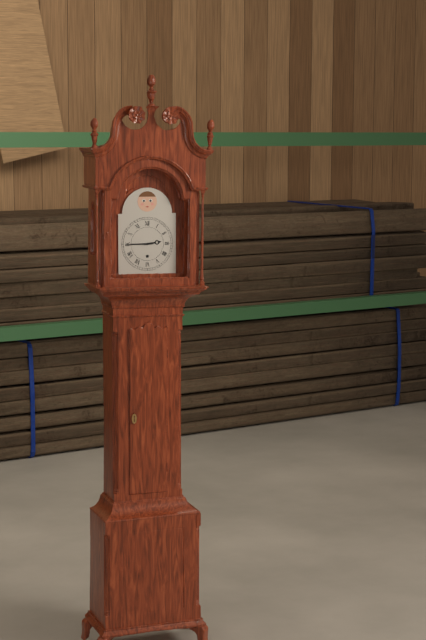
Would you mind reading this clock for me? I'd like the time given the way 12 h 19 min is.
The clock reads 2 h 45 min
